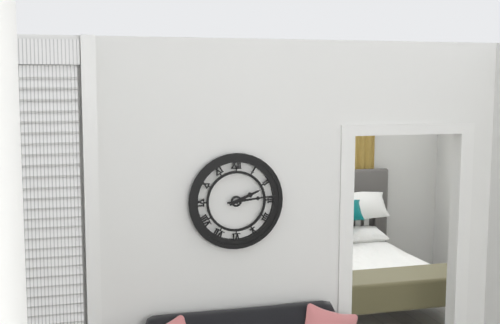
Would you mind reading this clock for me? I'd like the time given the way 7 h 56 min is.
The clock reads 2 h 14 min
